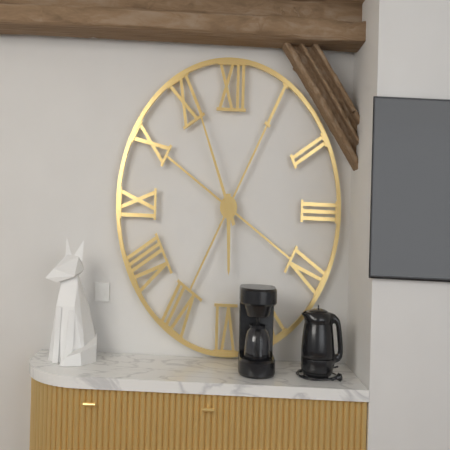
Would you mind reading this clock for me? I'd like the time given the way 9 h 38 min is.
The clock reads 5 h 56 min
